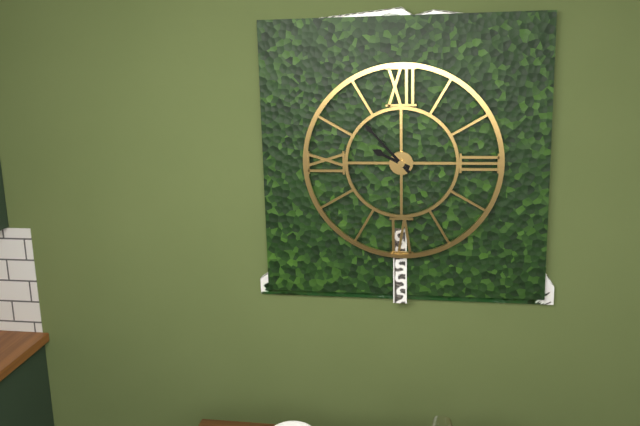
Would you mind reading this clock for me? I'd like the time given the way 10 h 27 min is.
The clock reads 9 h 53 min
